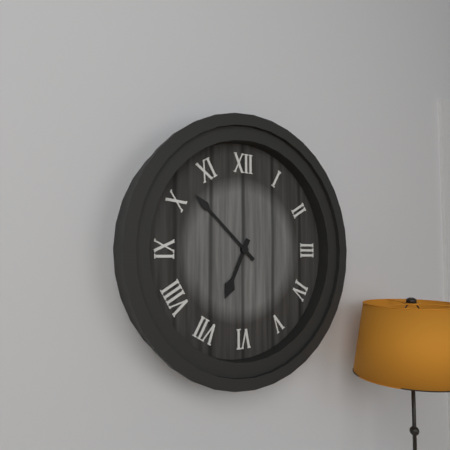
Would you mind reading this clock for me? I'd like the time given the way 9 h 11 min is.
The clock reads 6 h 52 min
